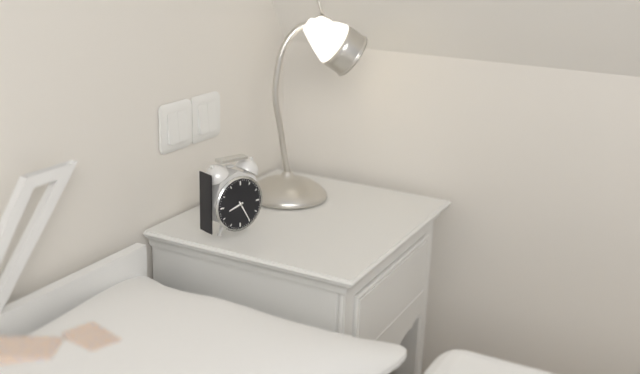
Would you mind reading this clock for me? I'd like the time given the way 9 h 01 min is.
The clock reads 8 h 25 min
